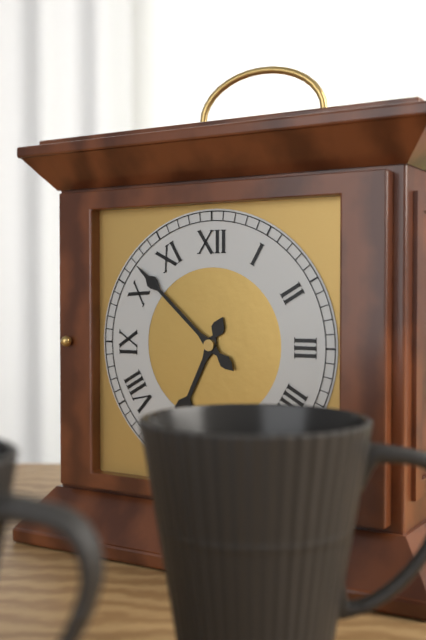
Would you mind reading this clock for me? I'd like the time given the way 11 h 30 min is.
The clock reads 6 h 52 min
